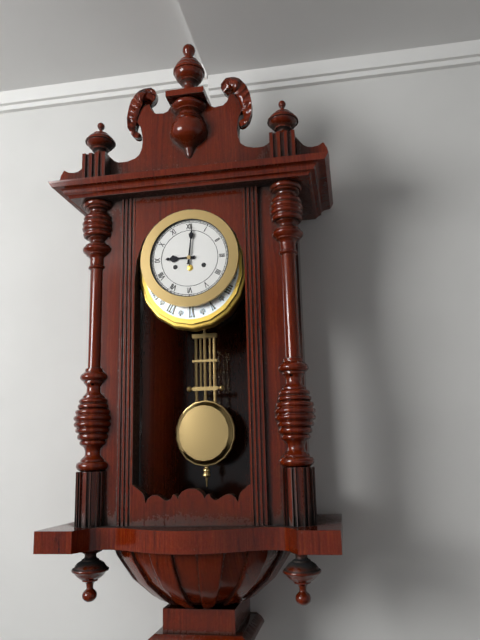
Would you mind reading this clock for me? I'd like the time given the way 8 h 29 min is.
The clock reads 9 h 01 min
